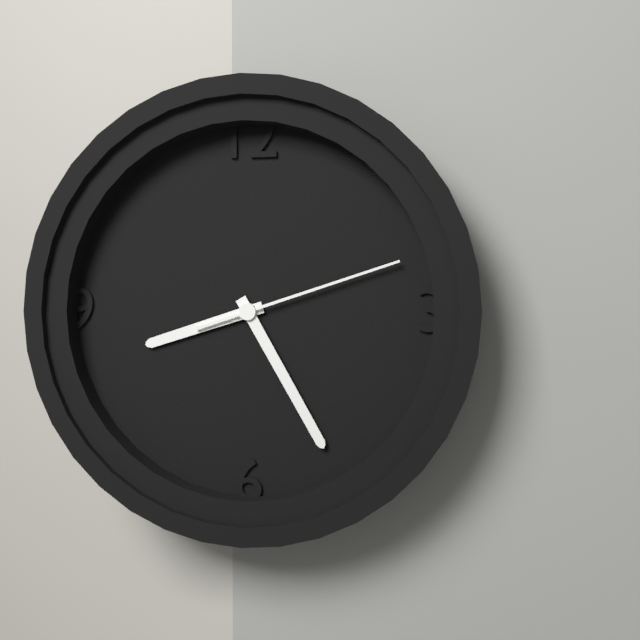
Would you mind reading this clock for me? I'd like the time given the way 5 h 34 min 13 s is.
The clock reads 8 h 25 min 12 s
